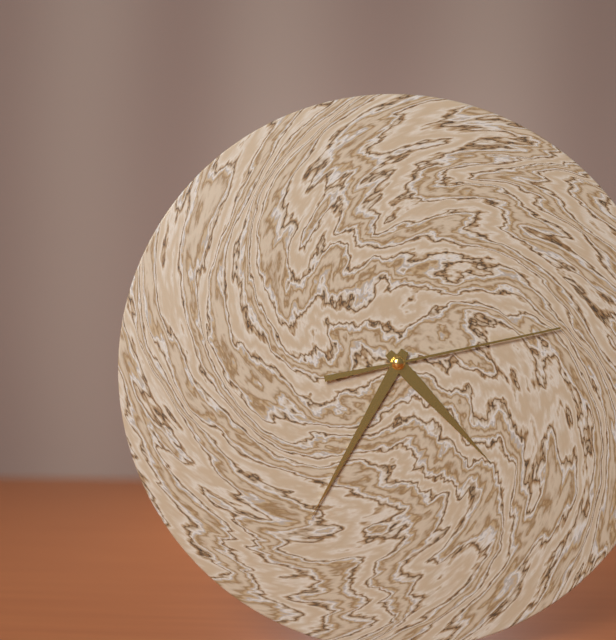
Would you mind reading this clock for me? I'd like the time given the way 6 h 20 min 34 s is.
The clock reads 4 h 35 min 13 s
